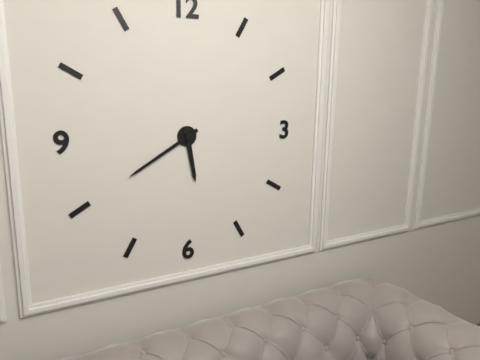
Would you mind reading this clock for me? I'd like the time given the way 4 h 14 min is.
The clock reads 5 h 40 min
